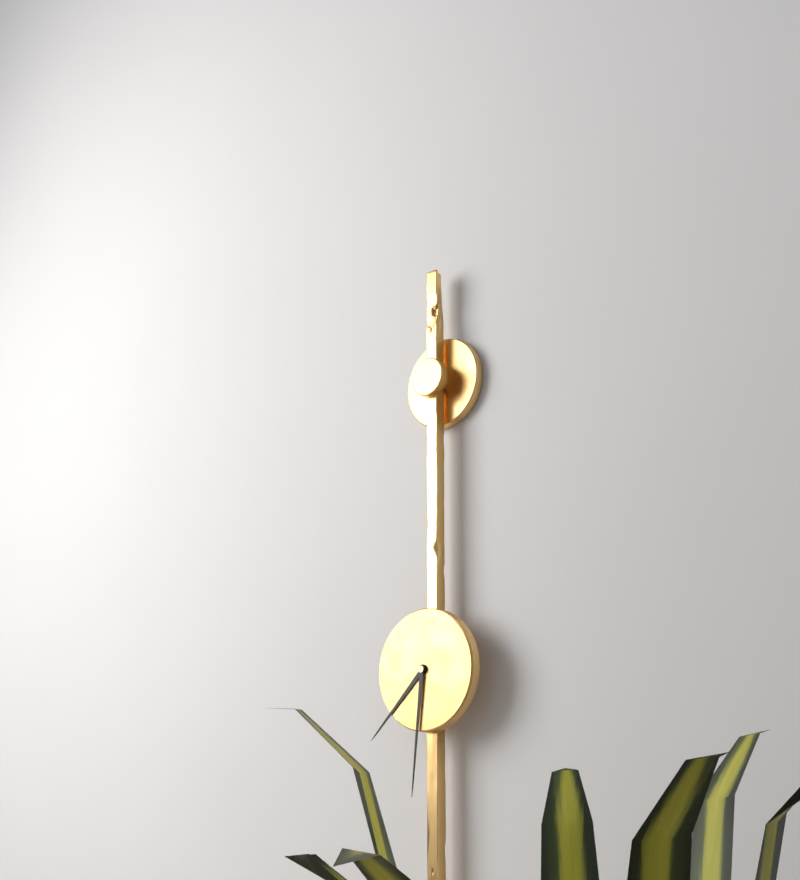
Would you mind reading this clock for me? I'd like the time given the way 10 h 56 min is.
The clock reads 7 h 31 min
